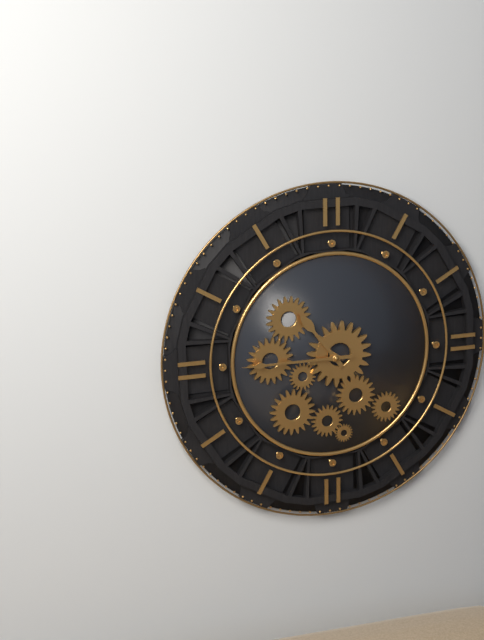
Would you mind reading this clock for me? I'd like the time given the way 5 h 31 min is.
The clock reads 10 h 45 min
